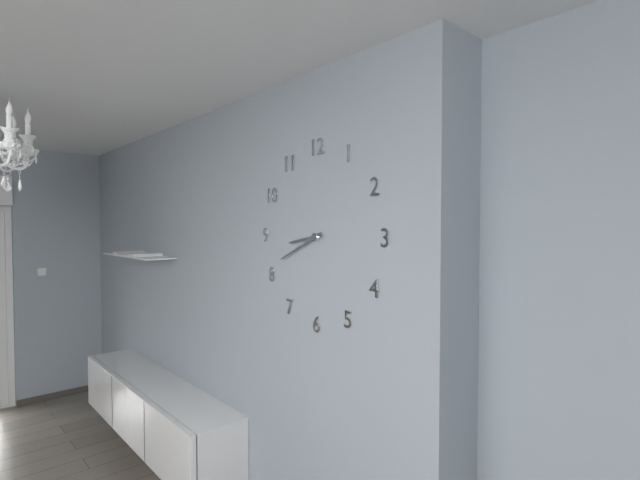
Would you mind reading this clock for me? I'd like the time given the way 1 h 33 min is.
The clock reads 8 h 41 min
